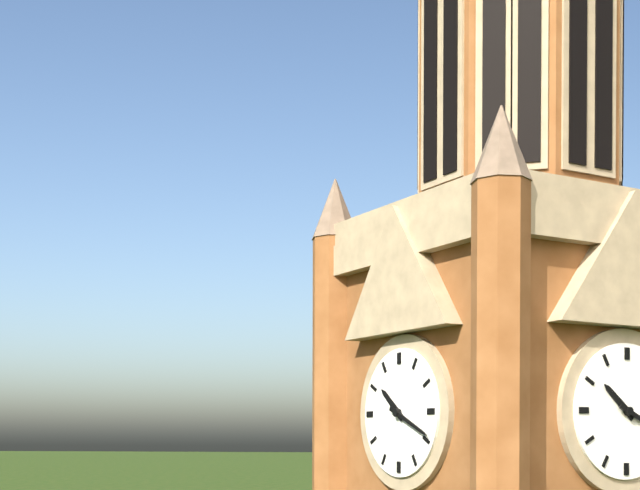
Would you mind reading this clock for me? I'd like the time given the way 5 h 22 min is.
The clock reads 10 h 19 min
